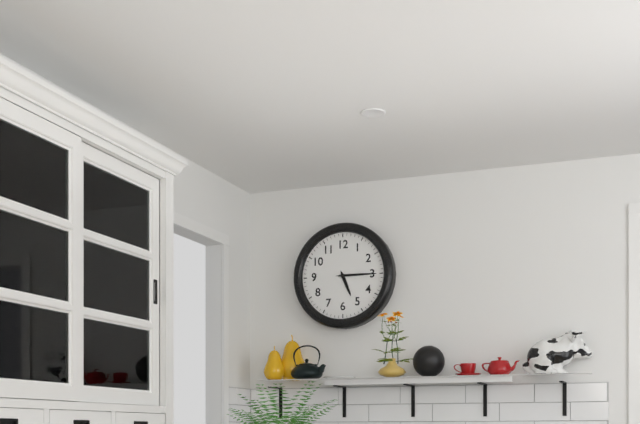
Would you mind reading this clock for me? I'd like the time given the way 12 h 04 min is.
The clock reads 5 h 15 min
